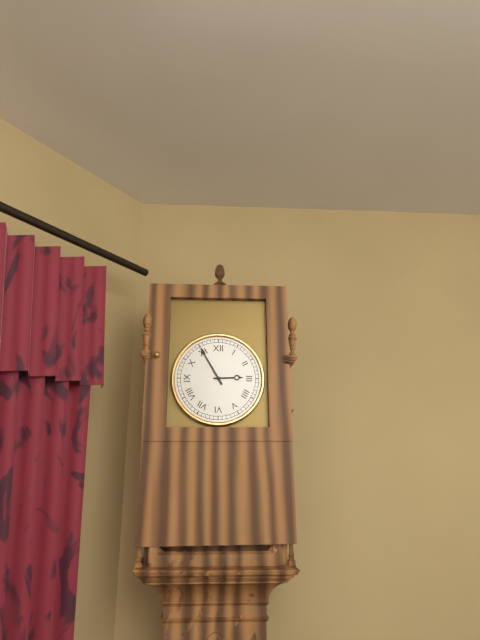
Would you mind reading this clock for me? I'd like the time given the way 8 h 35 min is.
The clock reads 2 h 55 min
